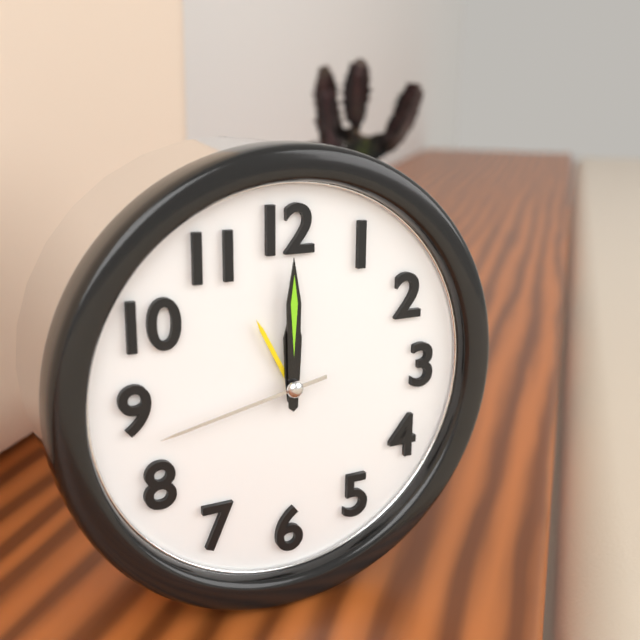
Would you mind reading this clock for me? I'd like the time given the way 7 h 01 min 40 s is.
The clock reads 12 h 00 min 43 s
